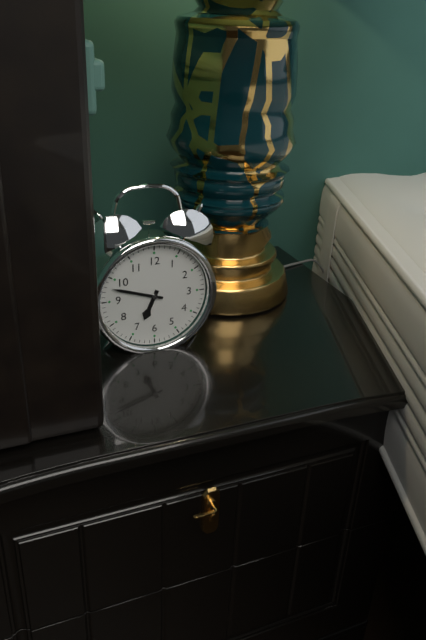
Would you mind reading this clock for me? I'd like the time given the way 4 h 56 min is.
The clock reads 6 h 48 min
